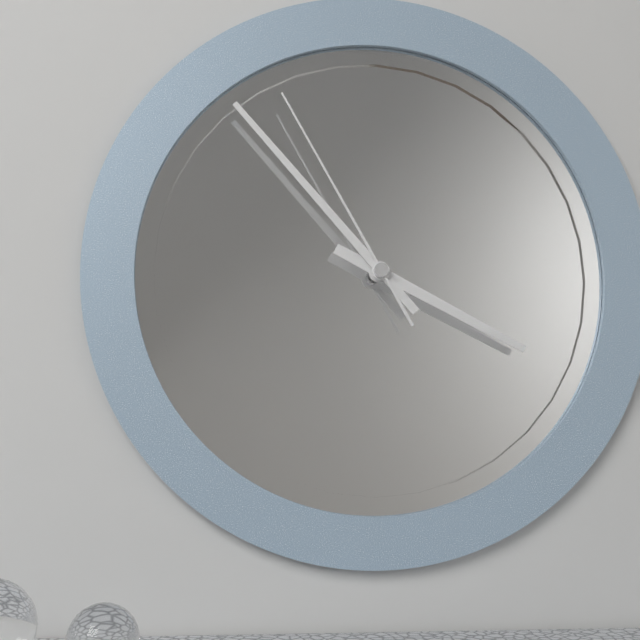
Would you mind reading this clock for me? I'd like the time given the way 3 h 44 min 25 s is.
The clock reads 3 h 53 min 55 s
